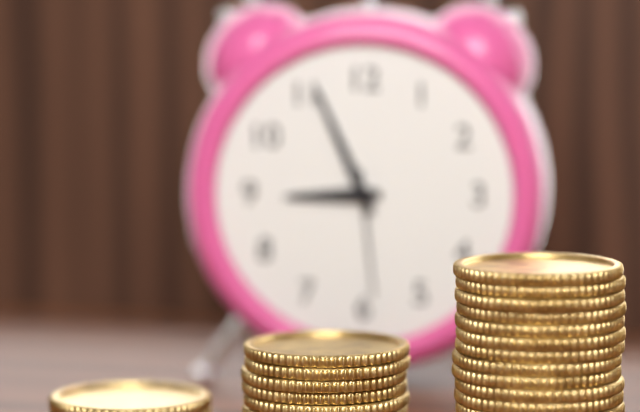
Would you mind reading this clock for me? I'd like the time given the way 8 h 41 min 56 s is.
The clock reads 8 h 56 min 29 s
